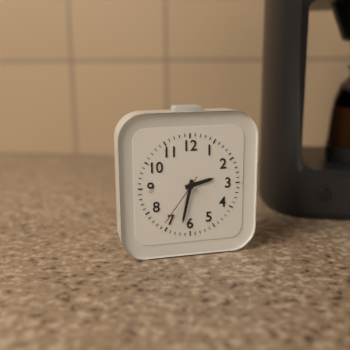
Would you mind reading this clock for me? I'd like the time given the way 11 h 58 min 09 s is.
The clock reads 2 h 32 min 36 s
